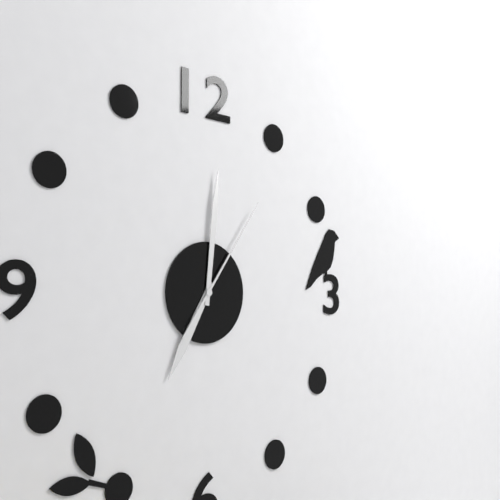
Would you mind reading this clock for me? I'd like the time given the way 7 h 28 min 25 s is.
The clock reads 7 h 01 min 06 s
